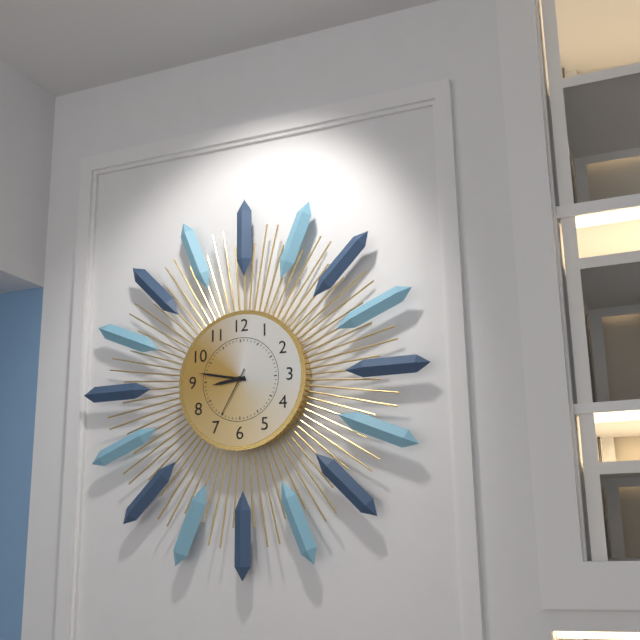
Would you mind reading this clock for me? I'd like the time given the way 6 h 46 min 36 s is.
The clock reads 8 h 47 min 35 s
